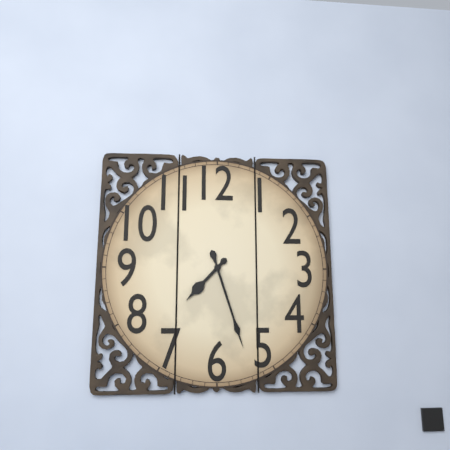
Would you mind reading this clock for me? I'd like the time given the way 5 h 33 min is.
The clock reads 7 h 27 min
